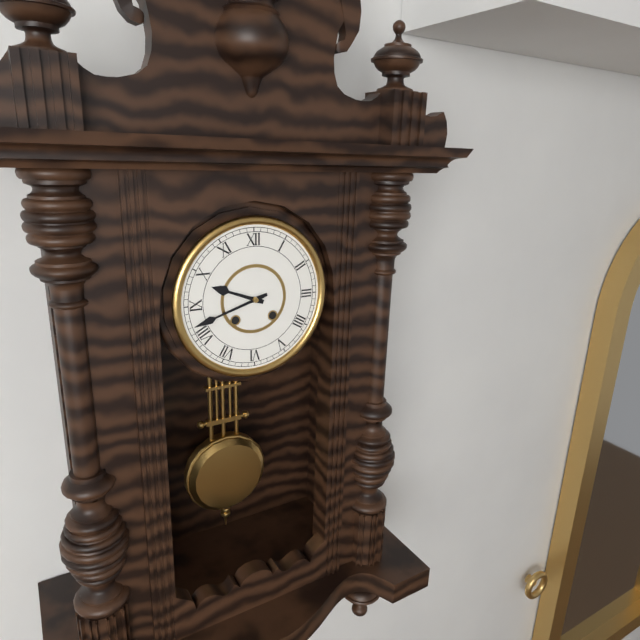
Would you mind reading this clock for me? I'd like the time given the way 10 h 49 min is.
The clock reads 9 h 42 min
